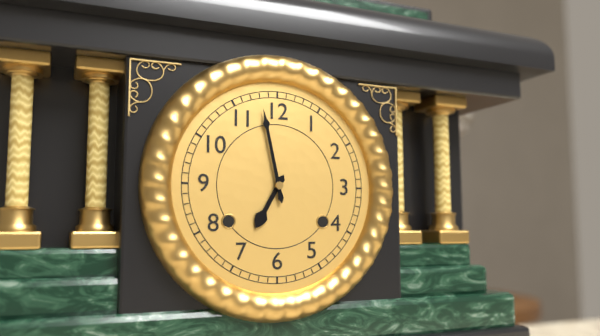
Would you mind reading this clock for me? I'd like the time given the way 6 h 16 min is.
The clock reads 6 h 58 min
